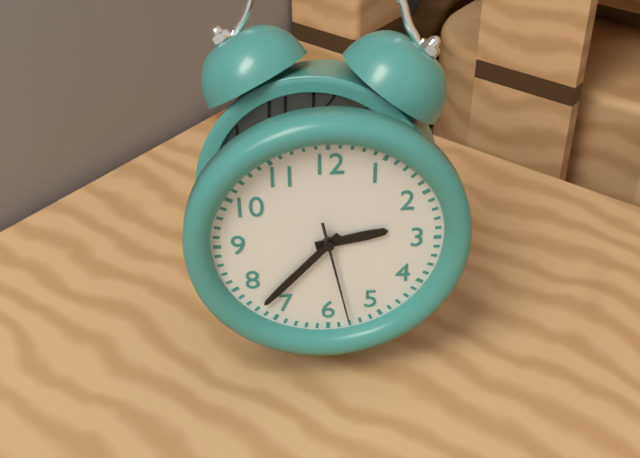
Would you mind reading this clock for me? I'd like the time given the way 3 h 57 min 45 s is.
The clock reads 2 h 37 min 28 s
